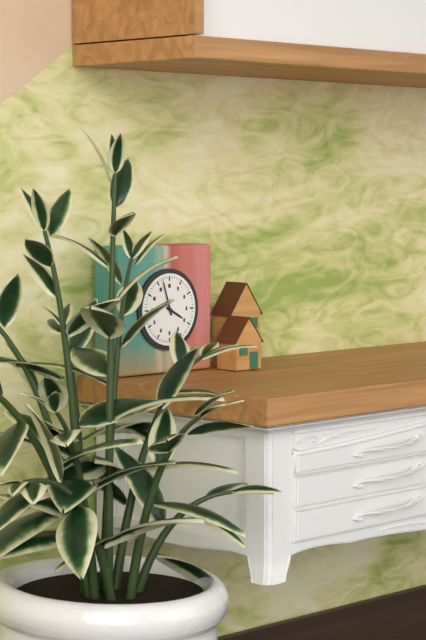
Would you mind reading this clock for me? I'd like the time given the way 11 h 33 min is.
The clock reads 3 h 57 min
